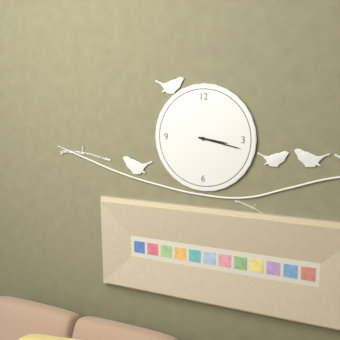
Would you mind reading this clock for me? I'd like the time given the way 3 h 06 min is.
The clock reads 3 h 17 min
